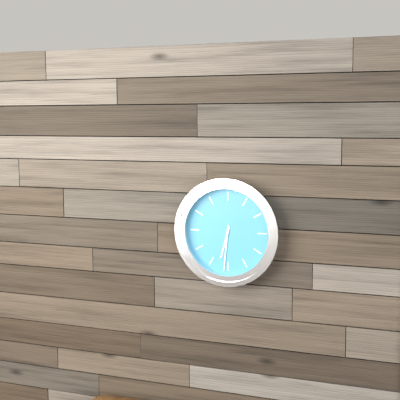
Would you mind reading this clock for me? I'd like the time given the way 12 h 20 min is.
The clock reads 6 h 31 min
